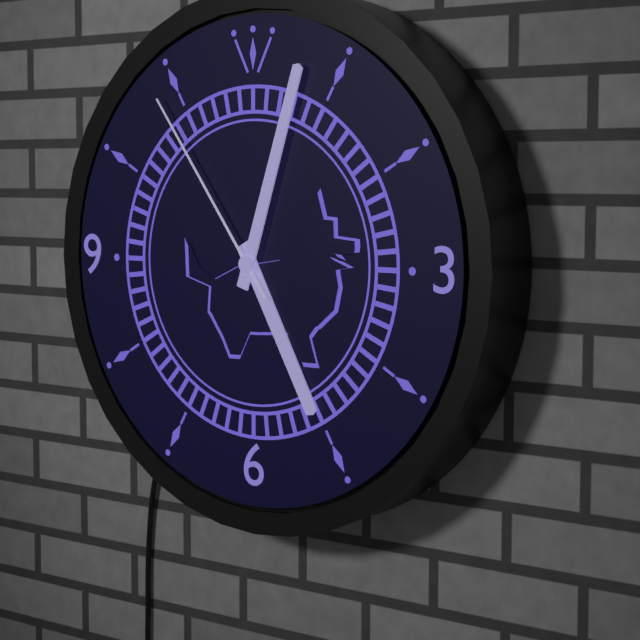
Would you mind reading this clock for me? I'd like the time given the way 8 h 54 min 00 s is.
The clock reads 5 h 03 min 54 s
